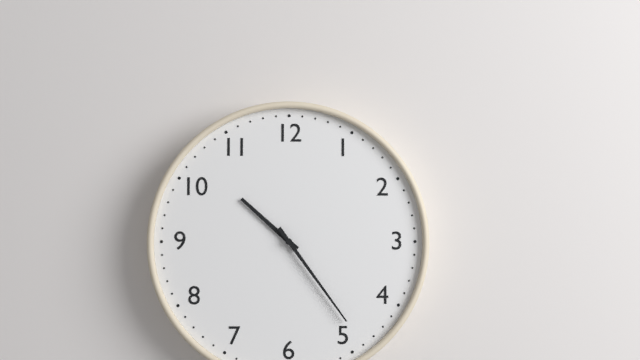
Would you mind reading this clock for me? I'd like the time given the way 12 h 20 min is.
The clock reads 10 h 24 min
